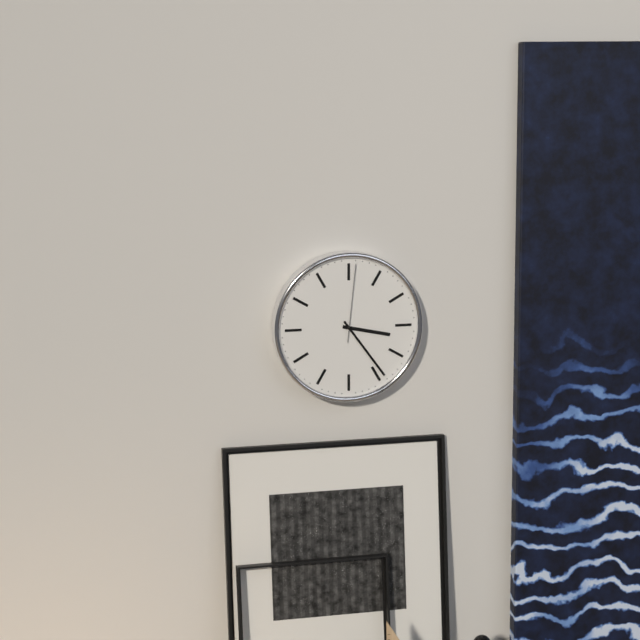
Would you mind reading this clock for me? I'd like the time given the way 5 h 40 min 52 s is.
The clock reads 3 h 24 min 01 s
